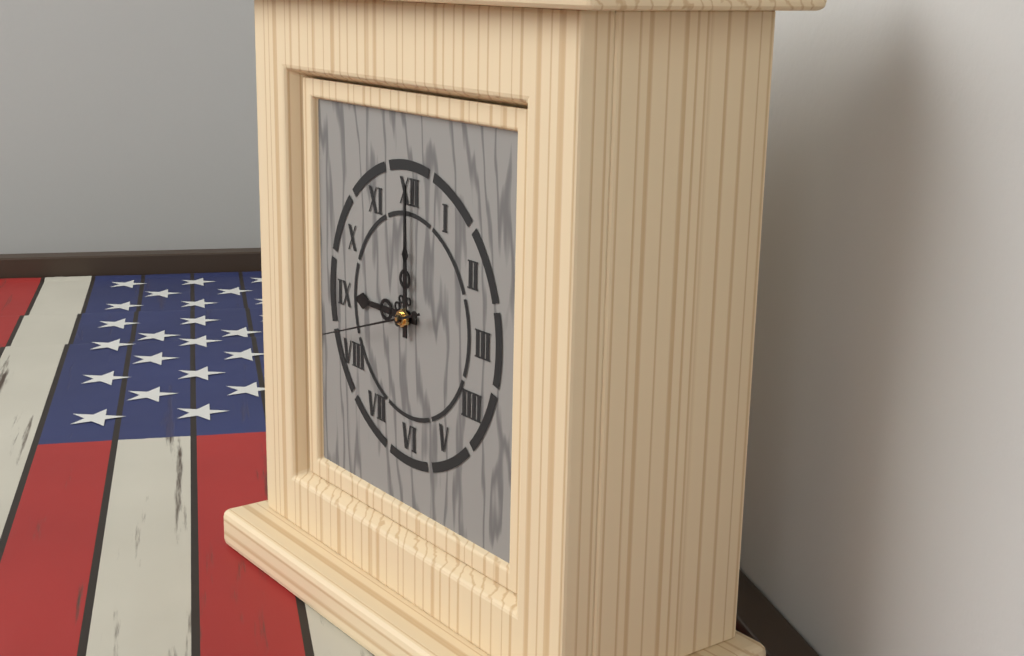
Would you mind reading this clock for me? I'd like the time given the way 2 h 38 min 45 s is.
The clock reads 9 h 00 min 42 s
